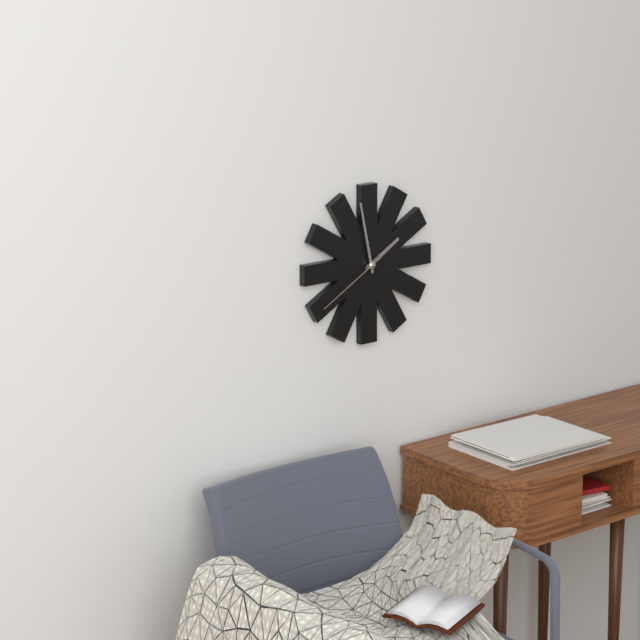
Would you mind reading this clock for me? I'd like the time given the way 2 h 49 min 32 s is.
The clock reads 1 h 58 min 40 s
